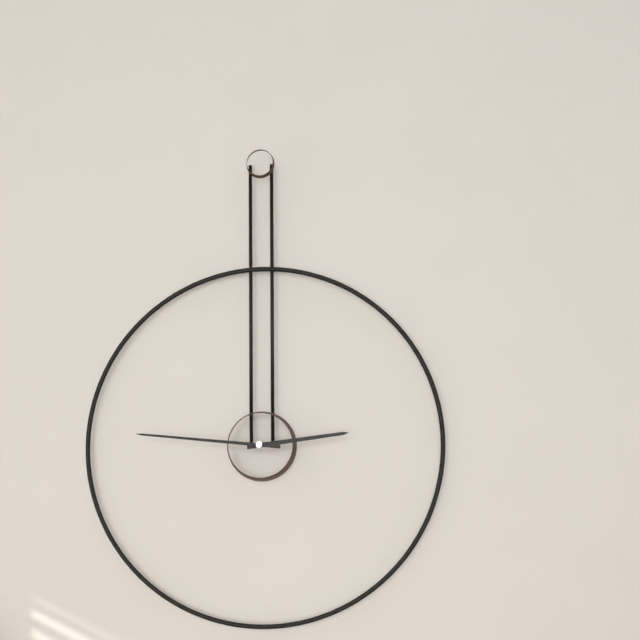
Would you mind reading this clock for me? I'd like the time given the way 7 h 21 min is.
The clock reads 2 h 46 min
